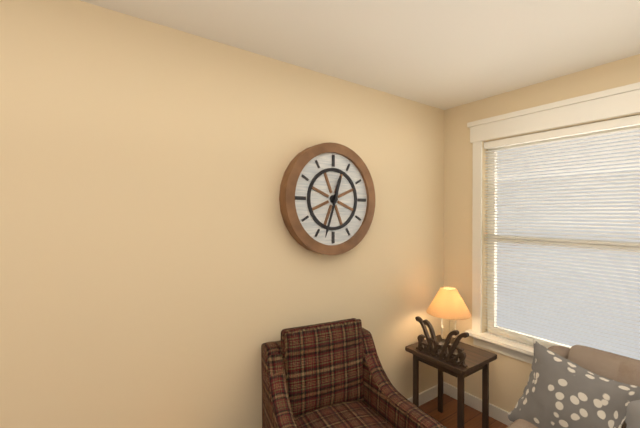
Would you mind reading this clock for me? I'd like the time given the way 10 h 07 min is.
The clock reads 12 h 33 min
